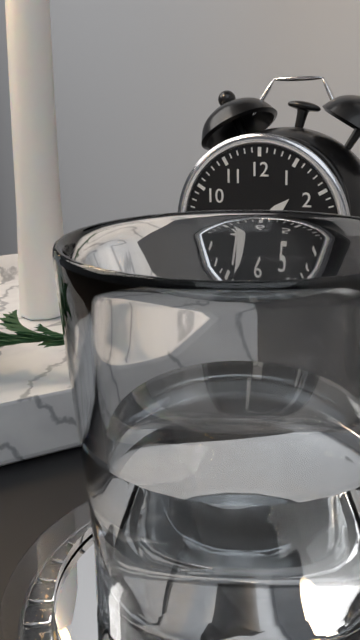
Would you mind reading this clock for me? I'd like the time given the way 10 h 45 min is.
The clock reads 1 h 34 min
